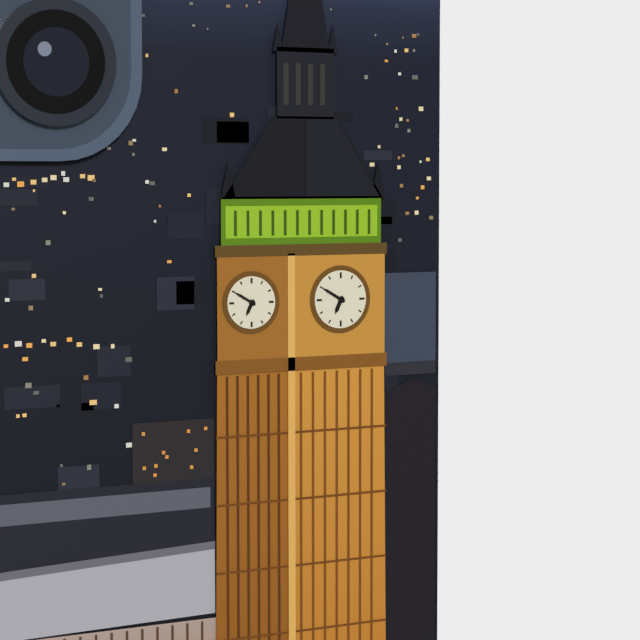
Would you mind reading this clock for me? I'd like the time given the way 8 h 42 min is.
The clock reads 6 h 50 min
